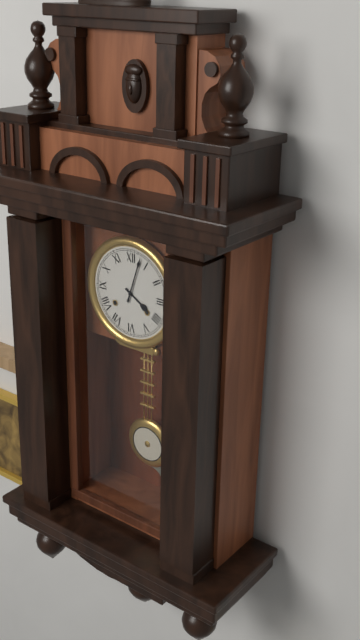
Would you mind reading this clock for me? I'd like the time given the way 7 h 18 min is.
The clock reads 4 h 03 min
